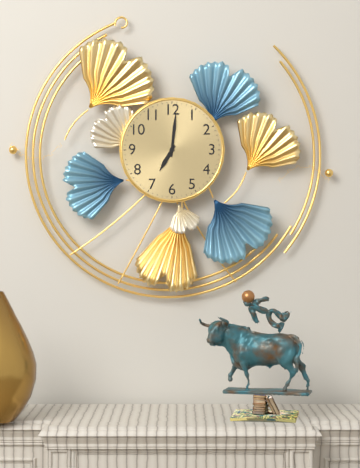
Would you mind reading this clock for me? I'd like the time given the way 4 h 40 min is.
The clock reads 7 h 01 min
